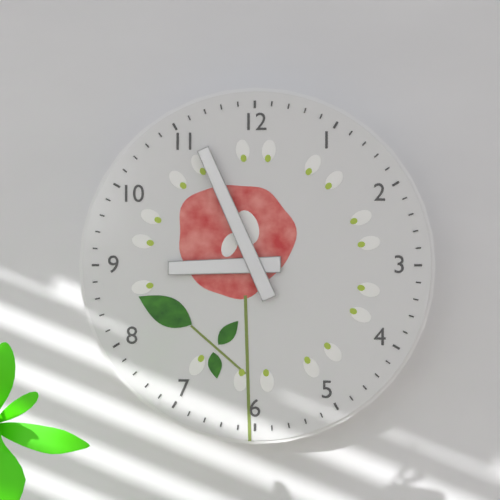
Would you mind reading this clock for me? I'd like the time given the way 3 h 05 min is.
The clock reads 8 h 56 min
